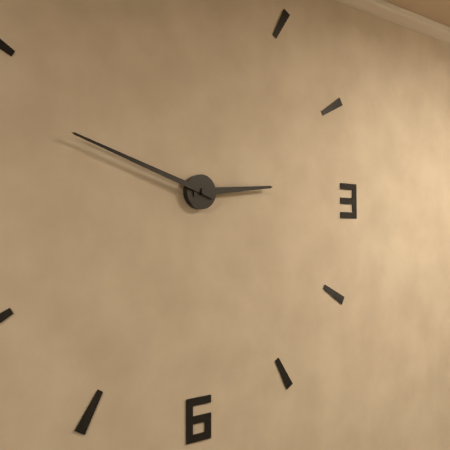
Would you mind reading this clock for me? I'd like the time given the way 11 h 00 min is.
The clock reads 2 h 48 min
